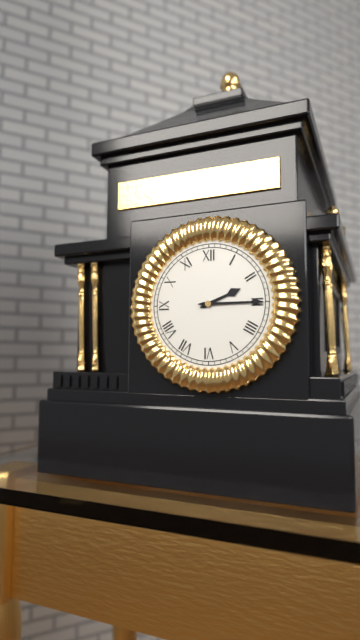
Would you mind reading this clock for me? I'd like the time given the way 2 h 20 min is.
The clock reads 2 h 15 min
